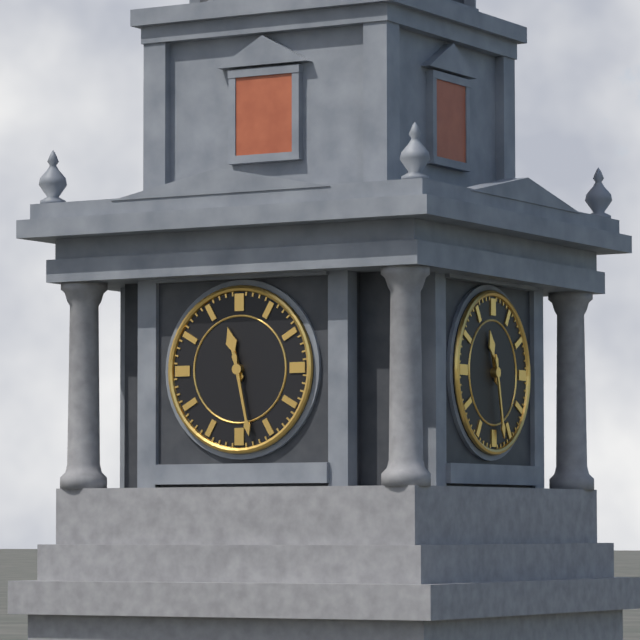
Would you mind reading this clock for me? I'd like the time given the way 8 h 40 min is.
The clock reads 11 h 28 min
